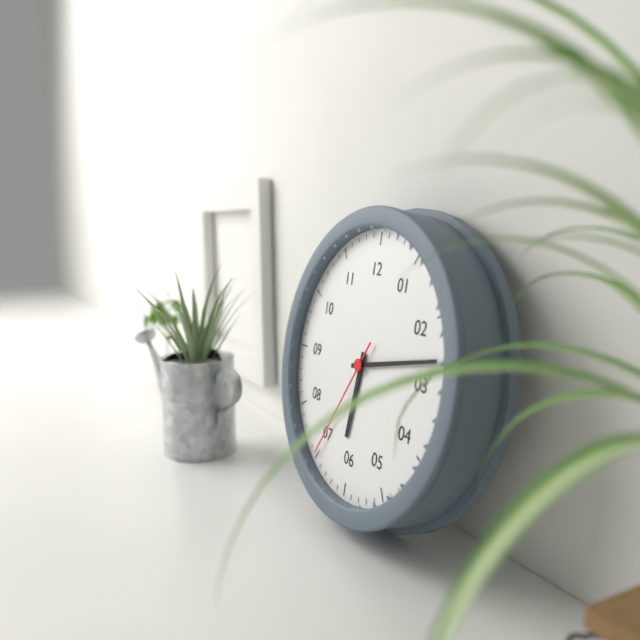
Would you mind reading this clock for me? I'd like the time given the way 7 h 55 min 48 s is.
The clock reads 6 h 13 min 35 s
